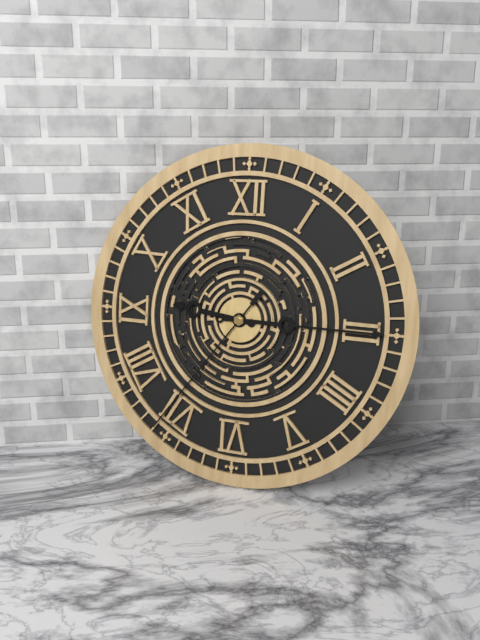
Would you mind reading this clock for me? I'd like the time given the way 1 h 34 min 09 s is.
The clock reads 9 h 15 min 36 s
